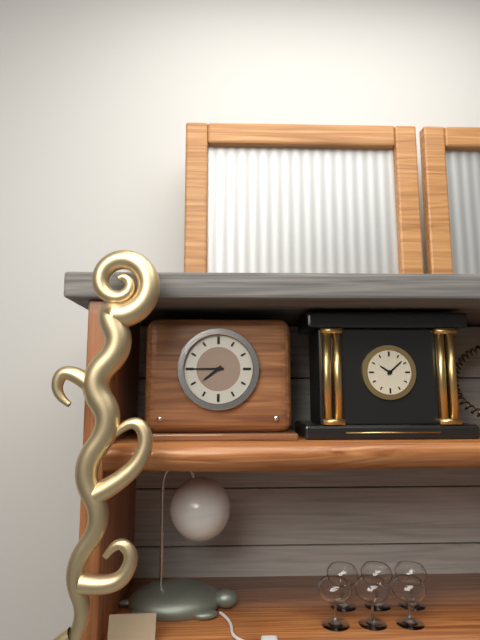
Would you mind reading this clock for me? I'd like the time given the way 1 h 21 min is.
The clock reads 7 h 45 min
